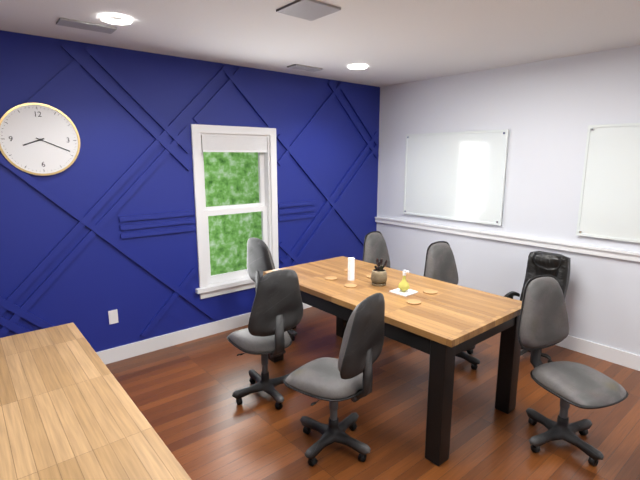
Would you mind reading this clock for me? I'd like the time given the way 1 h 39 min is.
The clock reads 8 h 19 min
